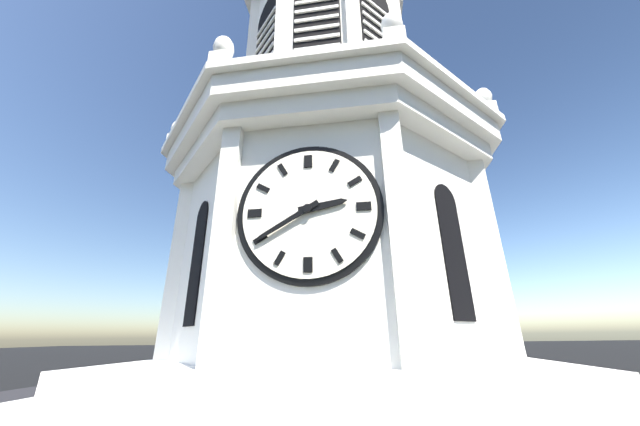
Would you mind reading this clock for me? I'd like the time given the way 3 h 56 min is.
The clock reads 2 h 40 min
